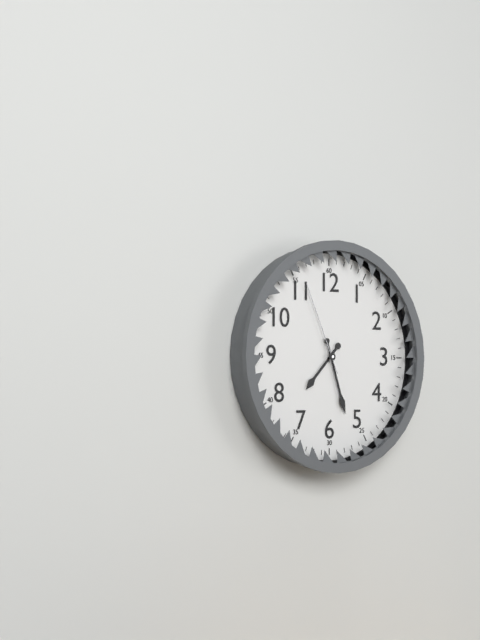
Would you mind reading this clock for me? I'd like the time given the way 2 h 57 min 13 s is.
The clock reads 7 h 27 min 56 s
